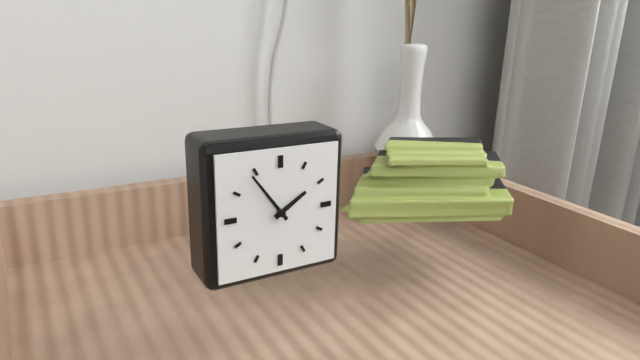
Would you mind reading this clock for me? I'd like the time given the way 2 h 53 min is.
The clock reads 1 h 54 min
